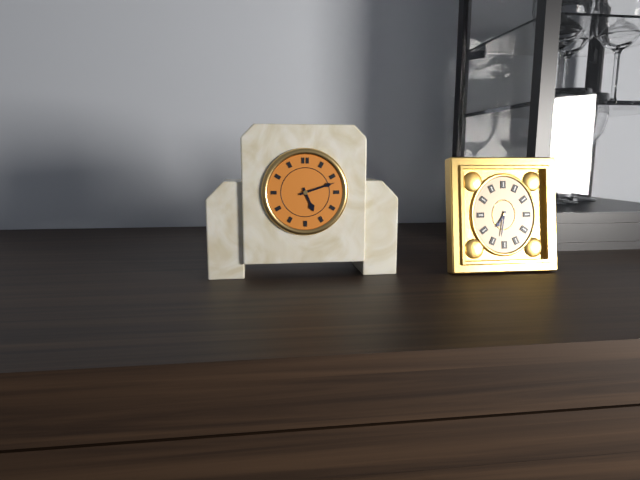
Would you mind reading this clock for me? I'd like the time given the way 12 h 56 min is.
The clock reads 5 h 12 min
